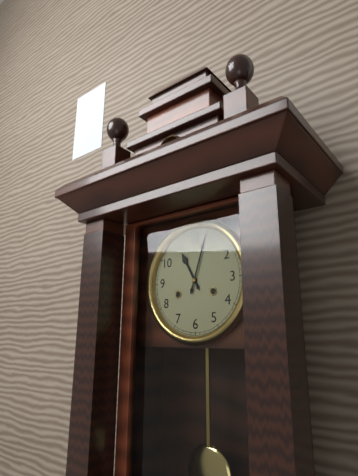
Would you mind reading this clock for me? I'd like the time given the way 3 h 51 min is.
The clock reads 11 h 03 min
